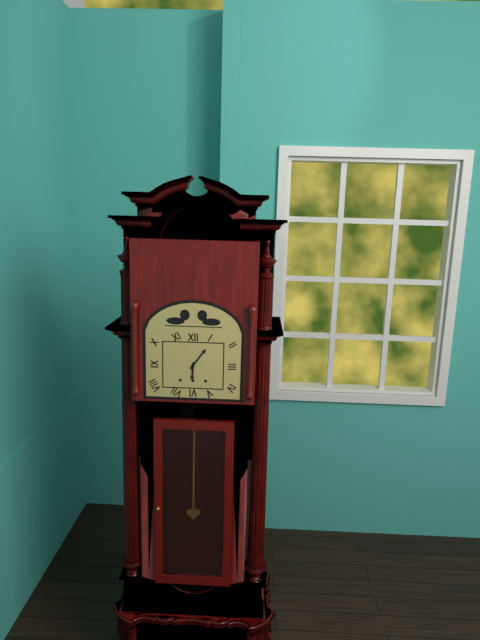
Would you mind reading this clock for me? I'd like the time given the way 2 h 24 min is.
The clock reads 6 h 06 min
